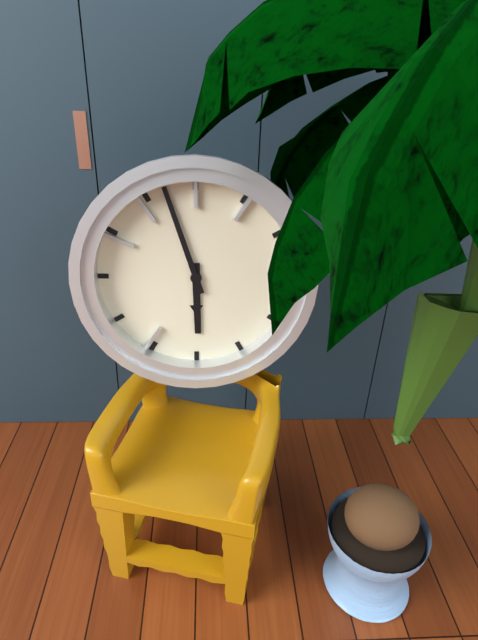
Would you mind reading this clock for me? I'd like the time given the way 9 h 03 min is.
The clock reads 5 h 57 min
